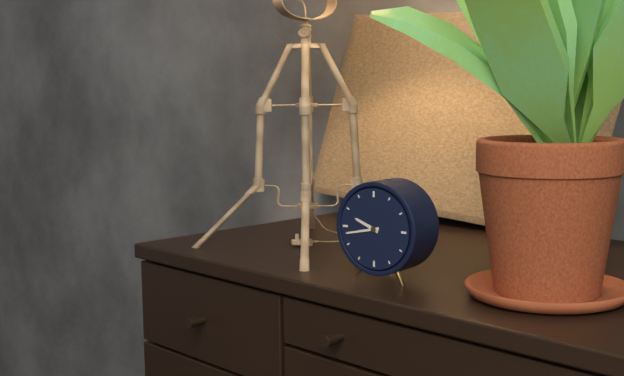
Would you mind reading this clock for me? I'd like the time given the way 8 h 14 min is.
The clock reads 9 h 43 min
